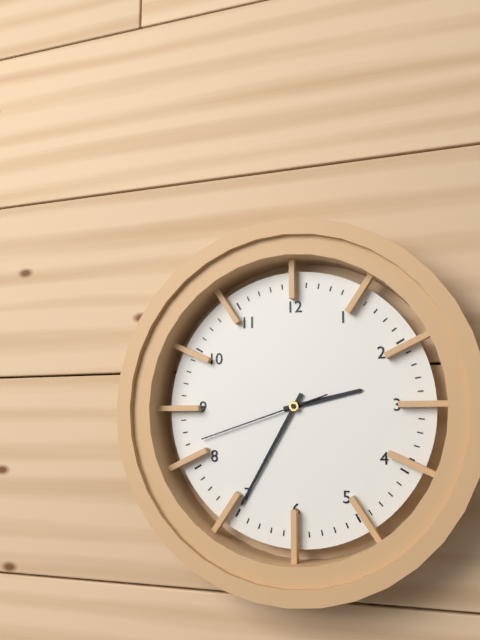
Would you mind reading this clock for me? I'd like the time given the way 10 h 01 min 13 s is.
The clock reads 2 h 35 min 42 s
